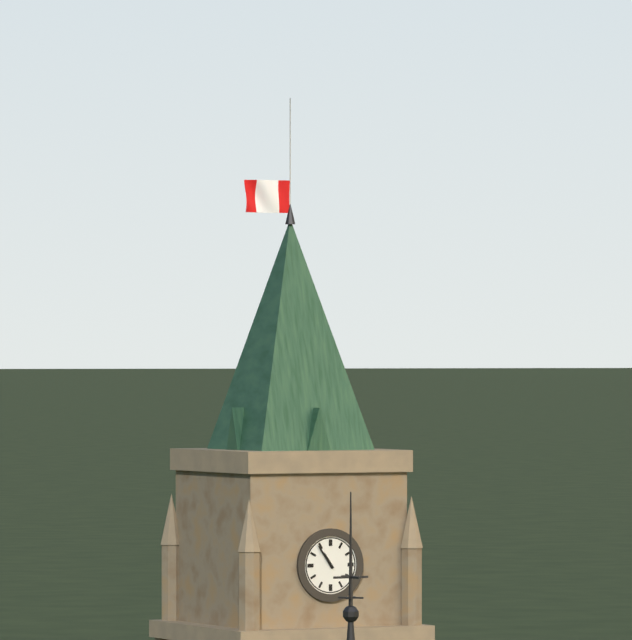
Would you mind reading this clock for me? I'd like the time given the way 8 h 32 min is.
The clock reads 10 h 54 min
